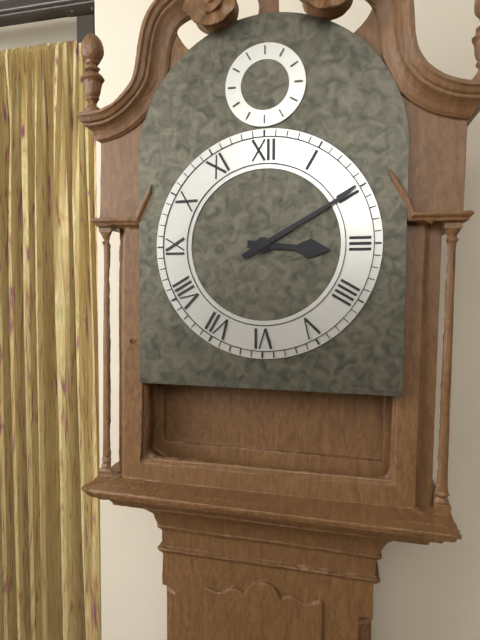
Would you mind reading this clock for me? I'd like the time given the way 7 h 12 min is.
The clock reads 3 h 10 min
